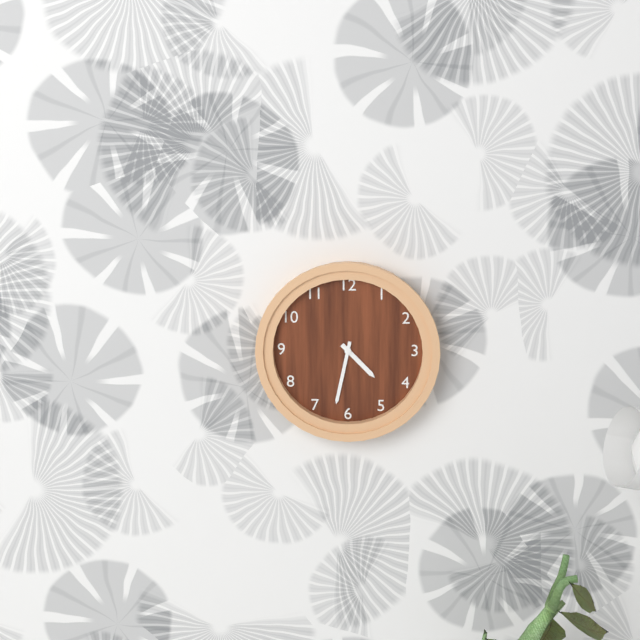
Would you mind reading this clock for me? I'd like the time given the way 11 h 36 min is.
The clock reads 4 h 32 min
